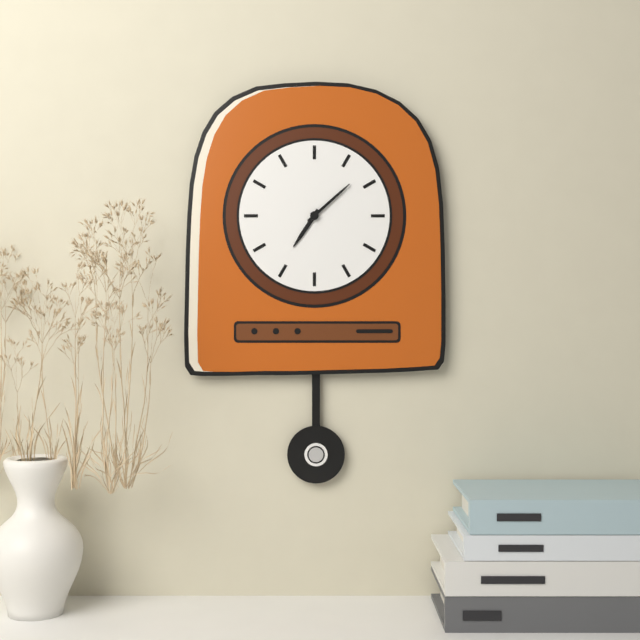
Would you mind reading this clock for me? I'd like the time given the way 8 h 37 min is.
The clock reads 7 h 08 min
